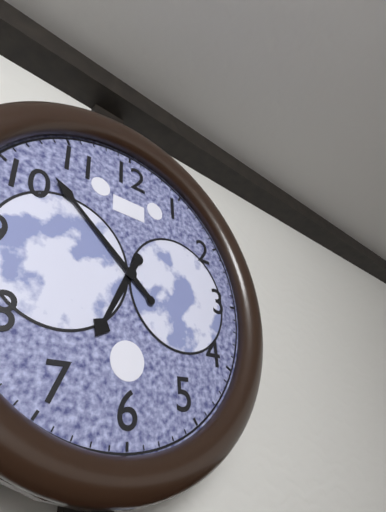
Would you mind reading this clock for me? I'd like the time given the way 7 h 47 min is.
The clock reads 6 h 52 min
